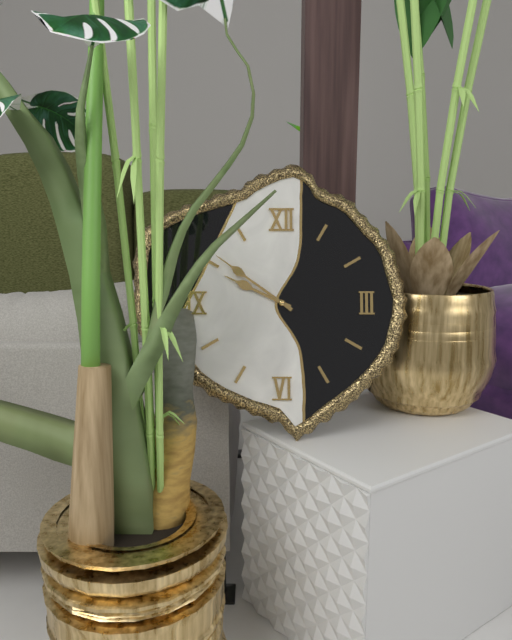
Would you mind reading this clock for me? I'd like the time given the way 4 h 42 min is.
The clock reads 9 h 51 min
